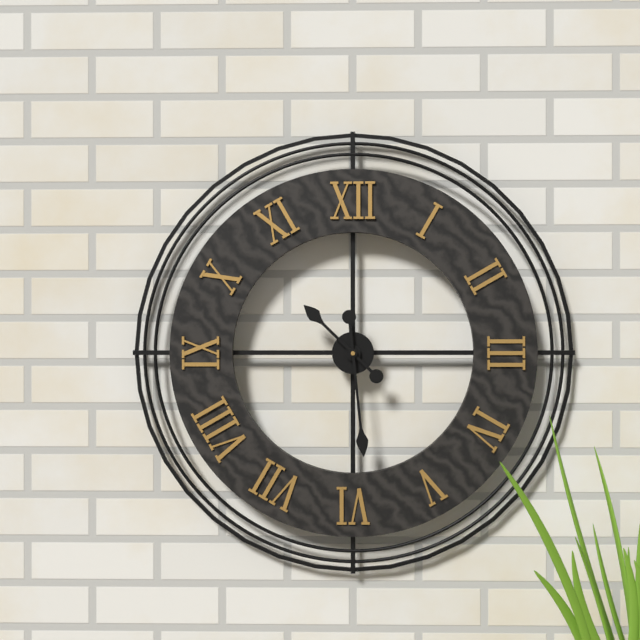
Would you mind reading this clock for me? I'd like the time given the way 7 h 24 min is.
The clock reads 10 h 29 min
